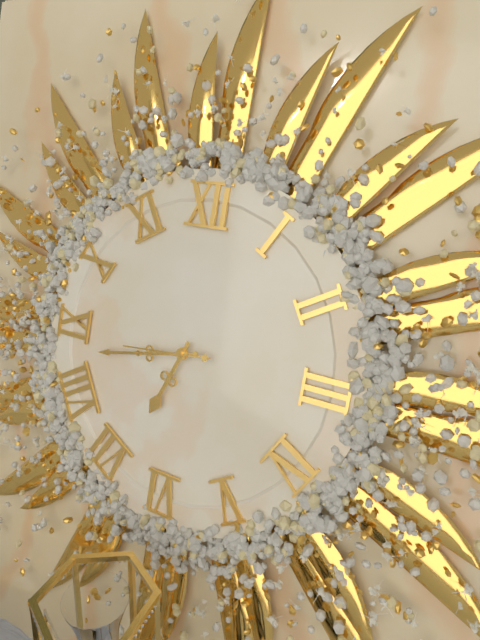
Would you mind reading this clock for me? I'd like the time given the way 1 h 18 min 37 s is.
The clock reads 6 h 43 min 44 s
